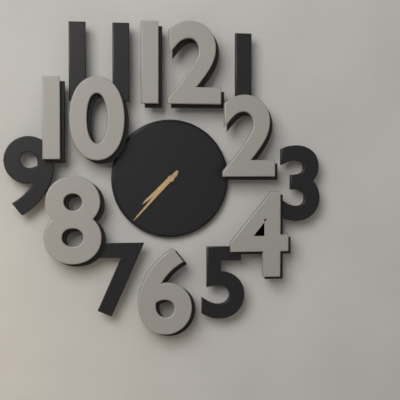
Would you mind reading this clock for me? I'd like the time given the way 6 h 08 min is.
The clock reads 7 h 37 min
